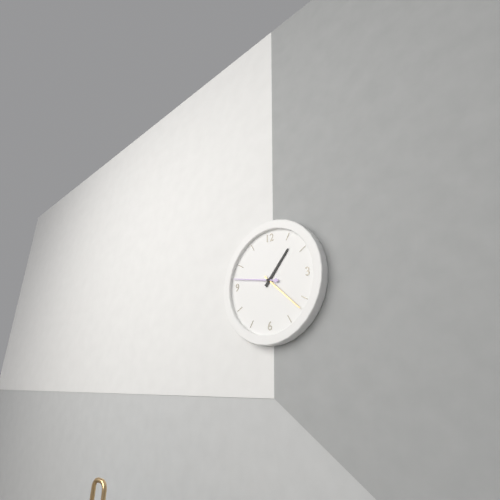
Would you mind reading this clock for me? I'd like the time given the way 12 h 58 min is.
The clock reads 1 h 22 min
